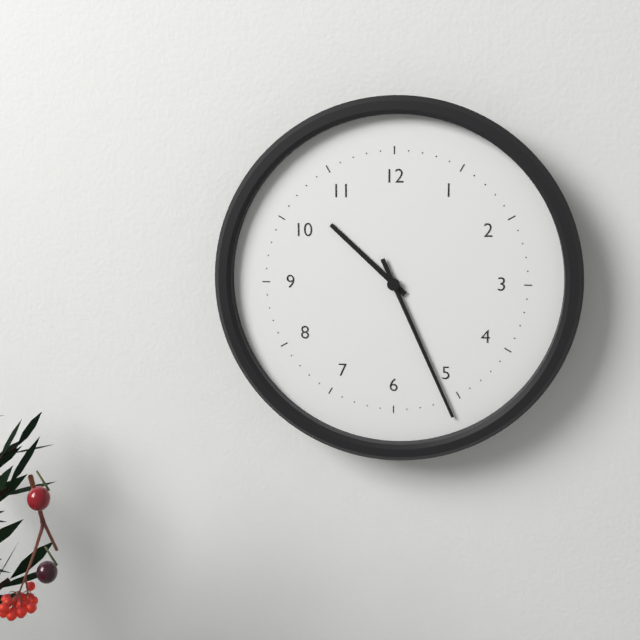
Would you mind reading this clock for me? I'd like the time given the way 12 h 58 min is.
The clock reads 10 h 26 min
